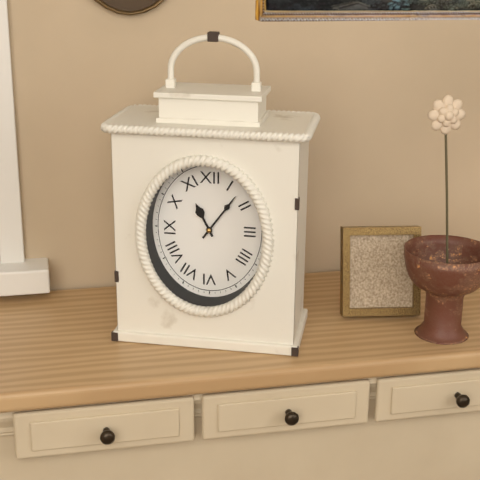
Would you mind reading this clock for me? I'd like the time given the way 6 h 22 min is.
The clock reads 11 h 06 min
